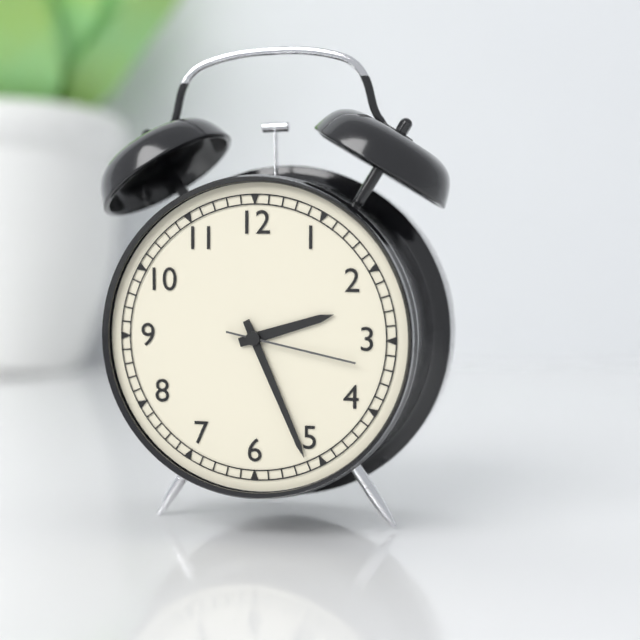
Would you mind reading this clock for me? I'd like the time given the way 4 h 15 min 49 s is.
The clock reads 2 h 26 min 17 s
